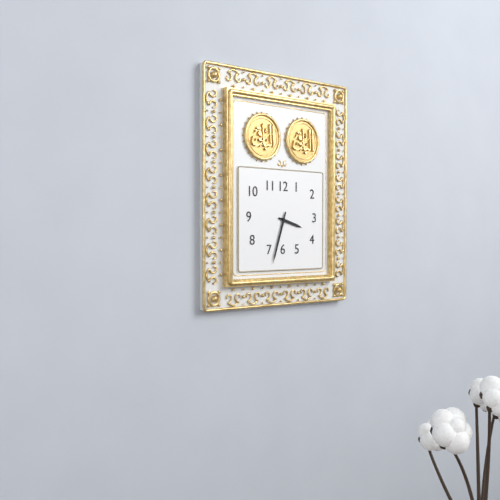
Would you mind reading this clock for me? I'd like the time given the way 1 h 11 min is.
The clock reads 3 h 33 min
